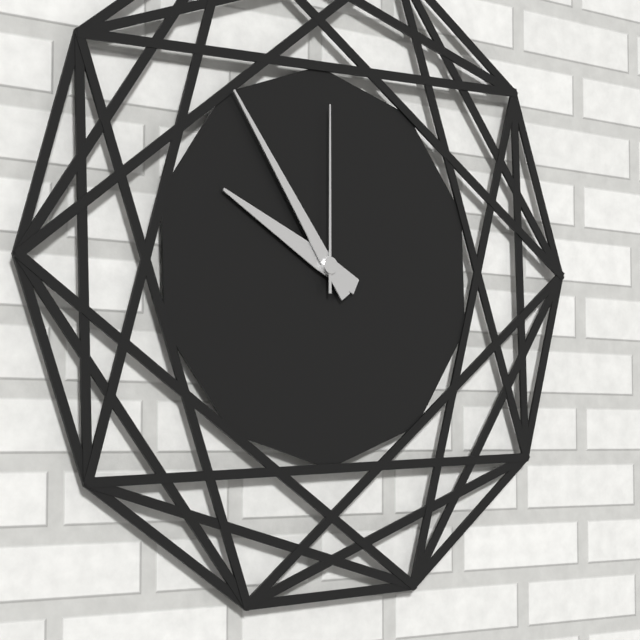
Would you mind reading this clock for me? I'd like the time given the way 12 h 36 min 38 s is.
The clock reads 9 h 54 min 00 s
